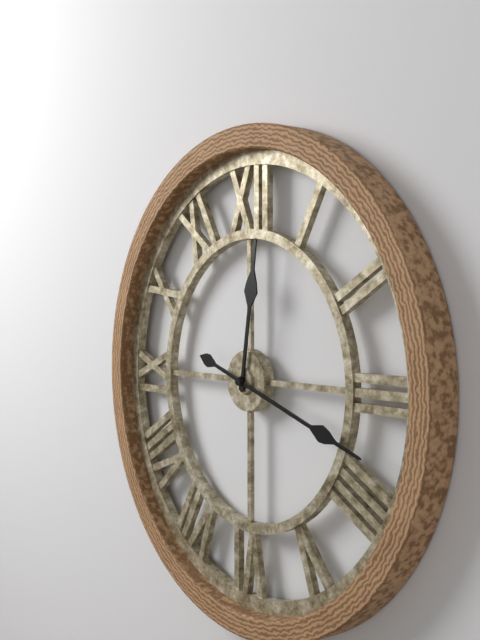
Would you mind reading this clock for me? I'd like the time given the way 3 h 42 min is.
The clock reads 12 h 18 min
